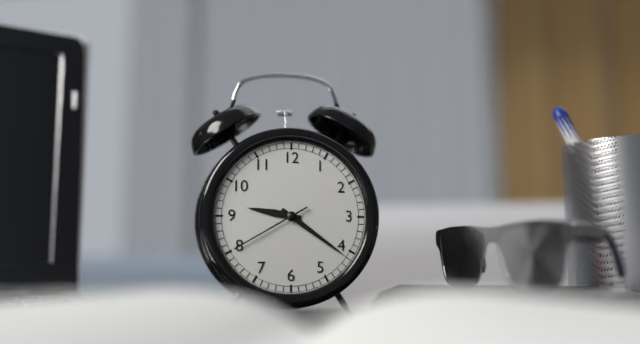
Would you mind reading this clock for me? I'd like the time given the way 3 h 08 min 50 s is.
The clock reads 9 h 21 min 40 s
